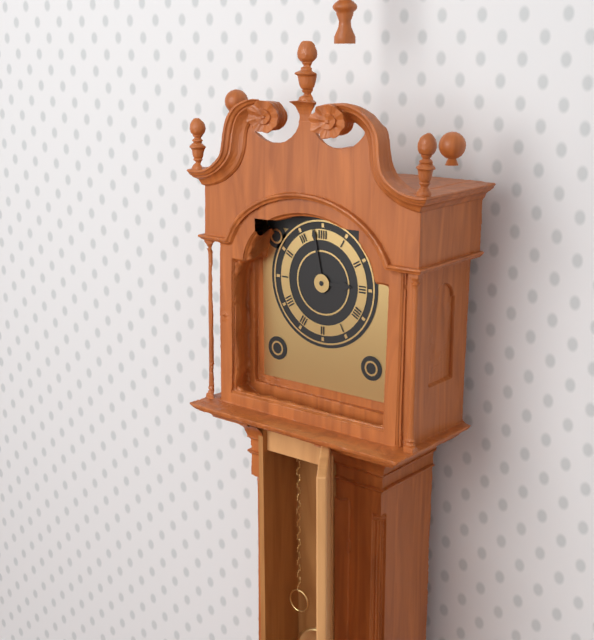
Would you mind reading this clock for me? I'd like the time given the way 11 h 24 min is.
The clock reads 2 h 58 min
